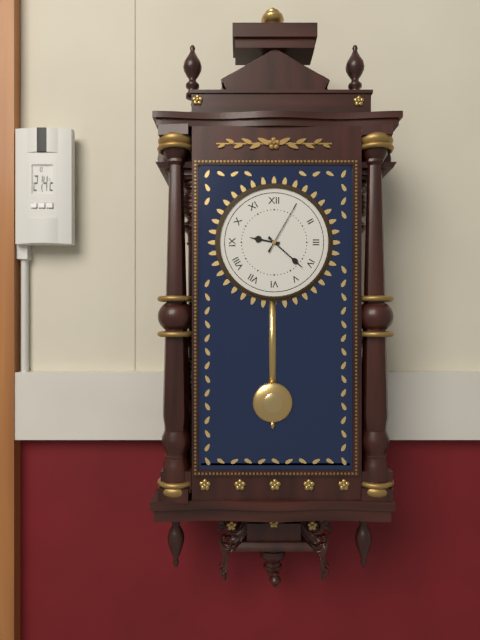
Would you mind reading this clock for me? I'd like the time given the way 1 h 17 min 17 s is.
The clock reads 9 h 22 min 05 s
